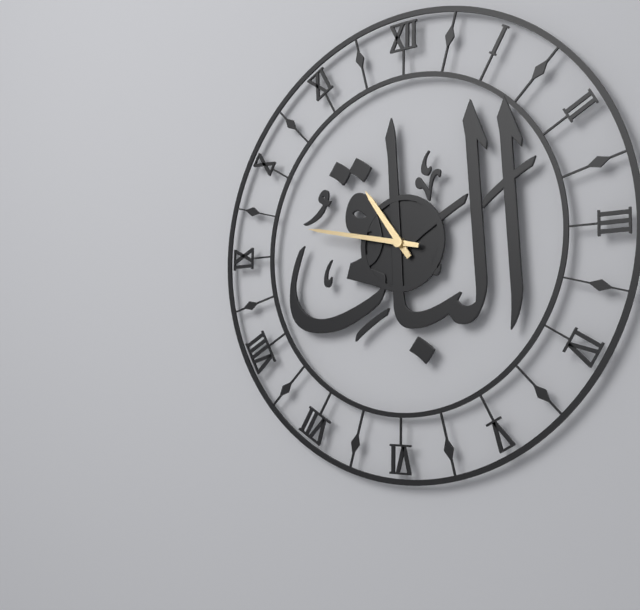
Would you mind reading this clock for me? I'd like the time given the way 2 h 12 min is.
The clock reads 10 h 47 min
